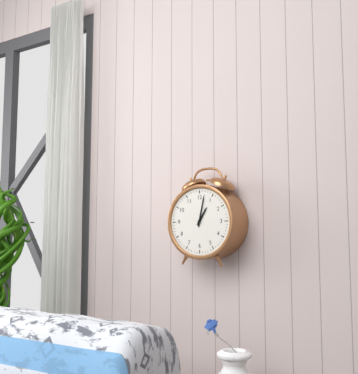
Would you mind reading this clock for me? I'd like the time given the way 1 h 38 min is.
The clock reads 1 h 02 min
